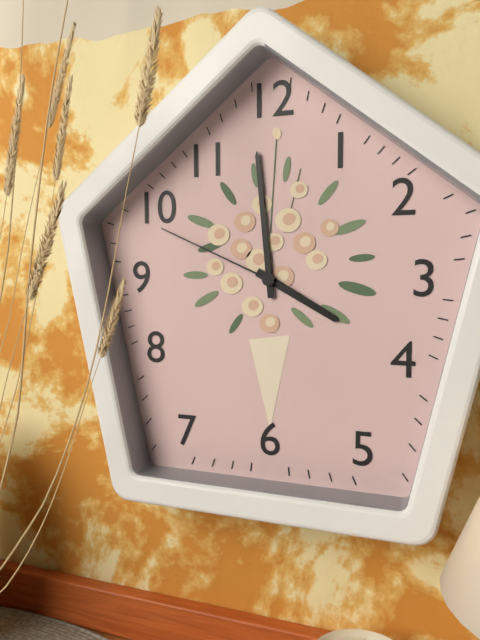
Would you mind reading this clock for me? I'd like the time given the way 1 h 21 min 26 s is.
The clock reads 3 h 59 min 49 s
